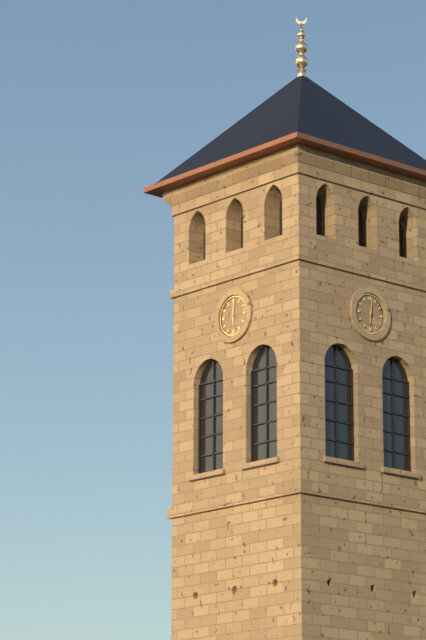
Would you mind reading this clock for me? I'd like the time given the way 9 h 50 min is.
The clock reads 6 h 01 min
